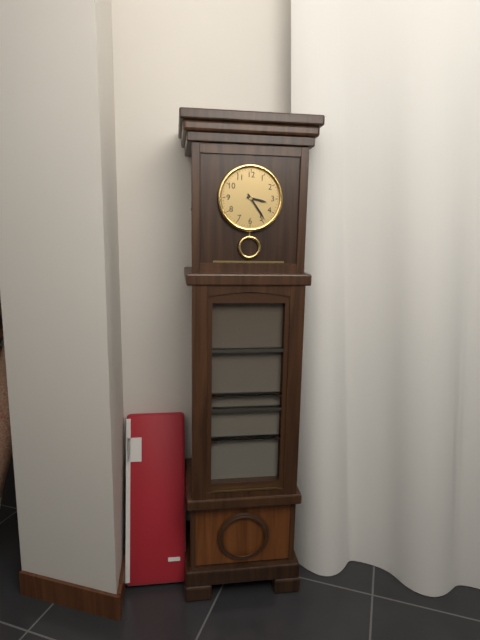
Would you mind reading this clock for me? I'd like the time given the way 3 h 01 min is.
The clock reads 3 h 24 min
